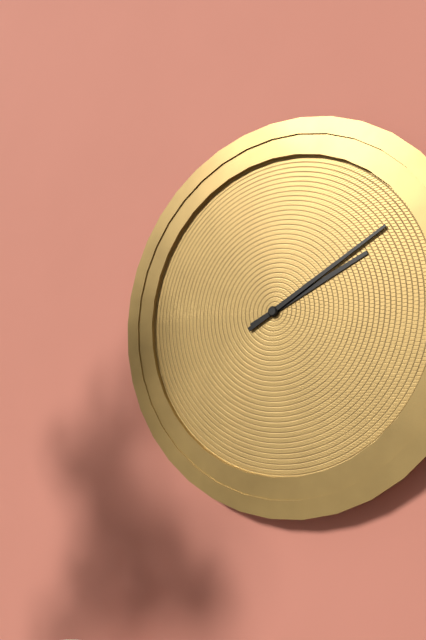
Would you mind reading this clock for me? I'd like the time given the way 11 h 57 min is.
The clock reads 2 h 10 min
